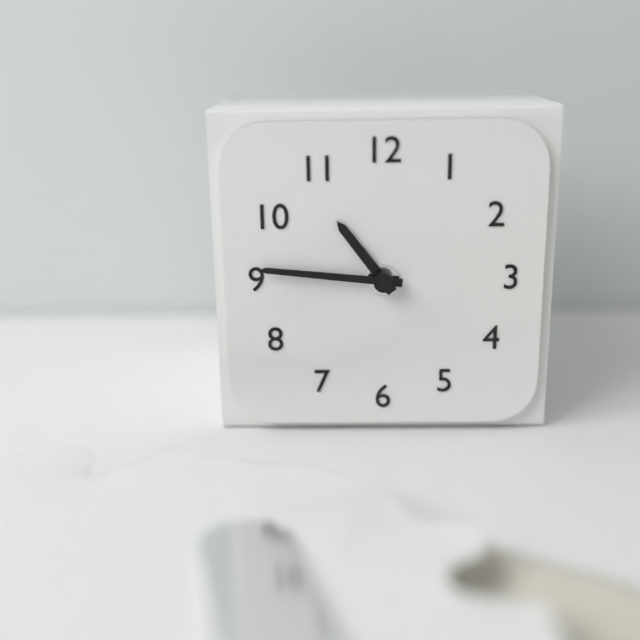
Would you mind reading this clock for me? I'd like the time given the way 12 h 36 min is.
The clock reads 10 h 46 min
